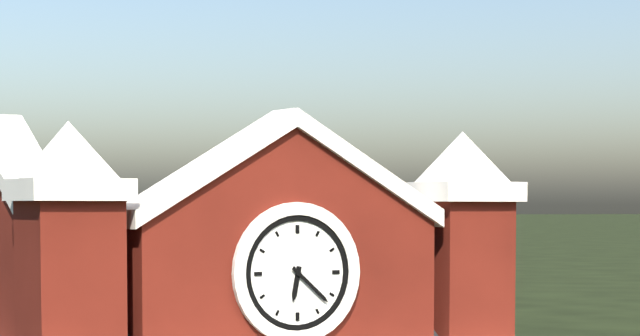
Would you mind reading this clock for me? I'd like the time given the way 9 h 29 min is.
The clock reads 6 h 22 min
